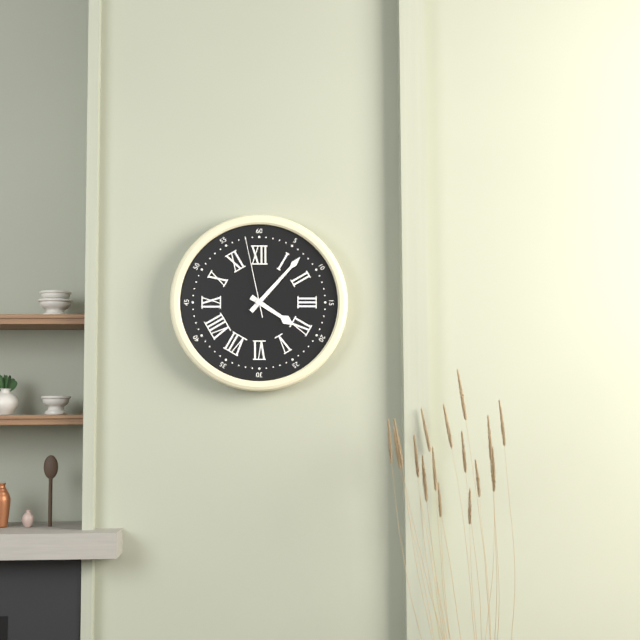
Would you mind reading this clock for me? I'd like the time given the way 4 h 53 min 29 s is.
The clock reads 4 h 07 min 58 s
